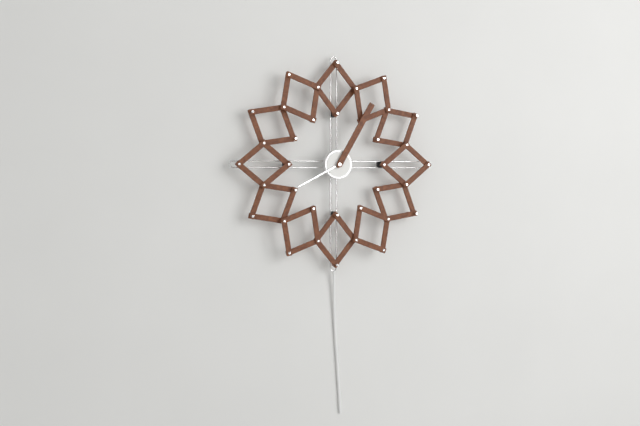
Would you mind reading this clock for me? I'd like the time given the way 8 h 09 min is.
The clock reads 8 h 05 min
